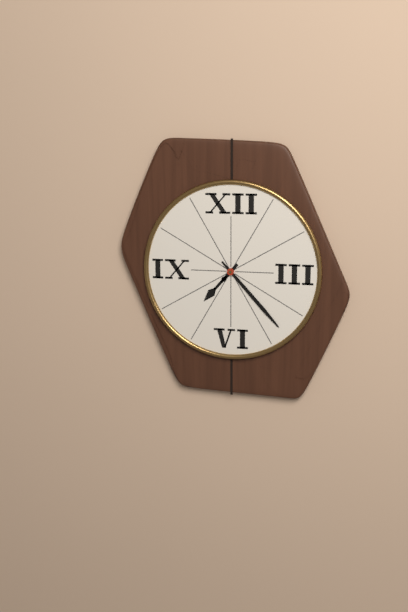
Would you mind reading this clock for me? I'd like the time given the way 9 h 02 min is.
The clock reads 7 h 23 min
